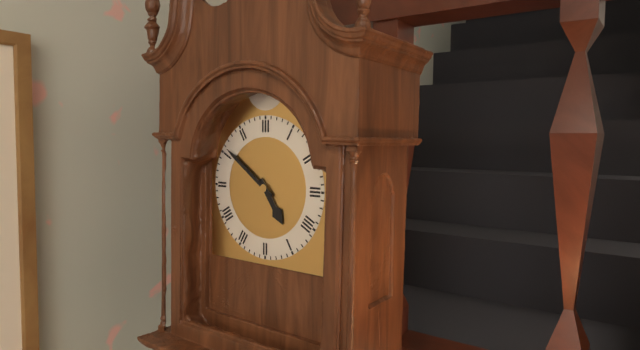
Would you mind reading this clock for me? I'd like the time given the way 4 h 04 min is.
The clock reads 4 h 51 min
